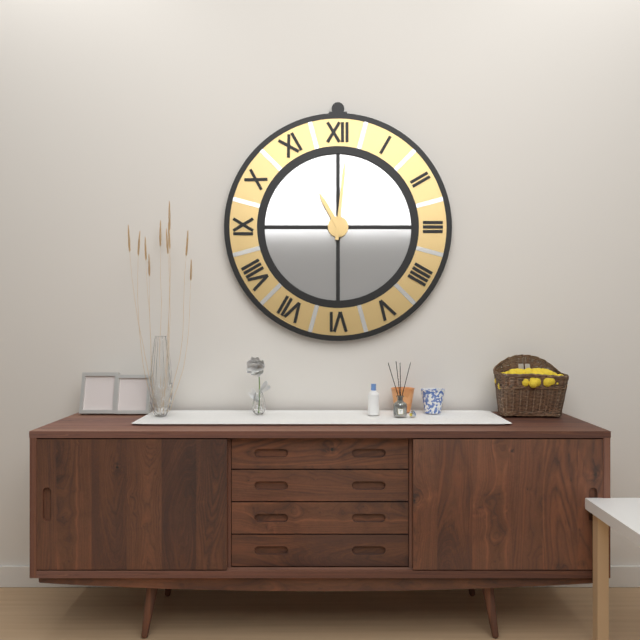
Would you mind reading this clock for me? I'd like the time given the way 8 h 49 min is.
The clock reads 11 h 01 min
